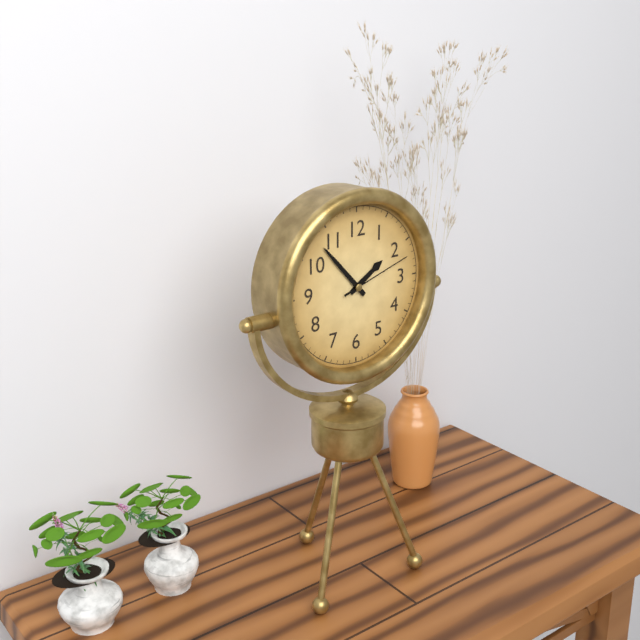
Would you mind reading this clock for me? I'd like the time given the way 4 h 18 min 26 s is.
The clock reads 1 h 53 min 12 s
